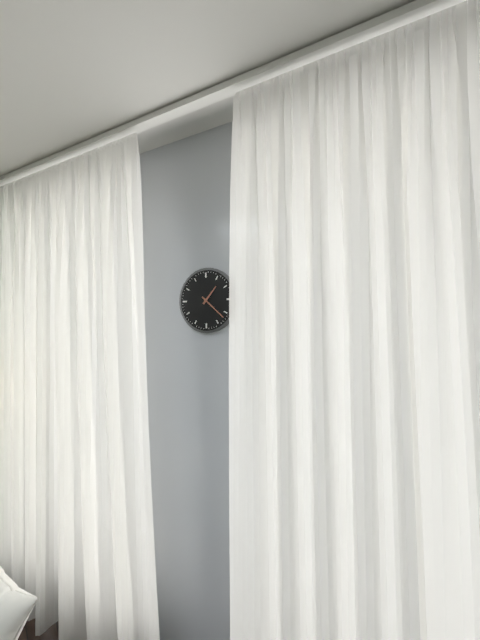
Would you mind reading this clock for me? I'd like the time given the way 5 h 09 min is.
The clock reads 1 h 22 min
